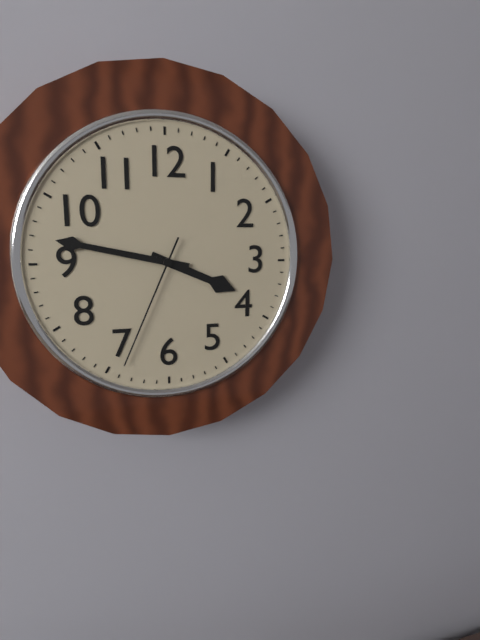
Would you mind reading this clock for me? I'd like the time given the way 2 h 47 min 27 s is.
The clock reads 3 h 47 min 34 s
